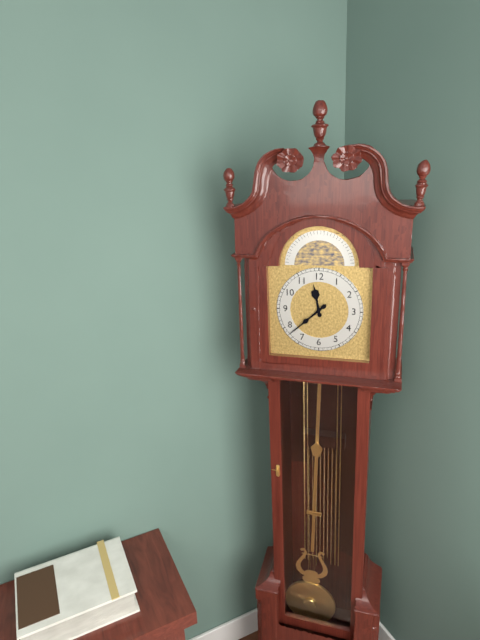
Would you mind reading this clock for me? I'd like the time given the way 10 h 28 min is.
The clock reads 11 h 38 min
